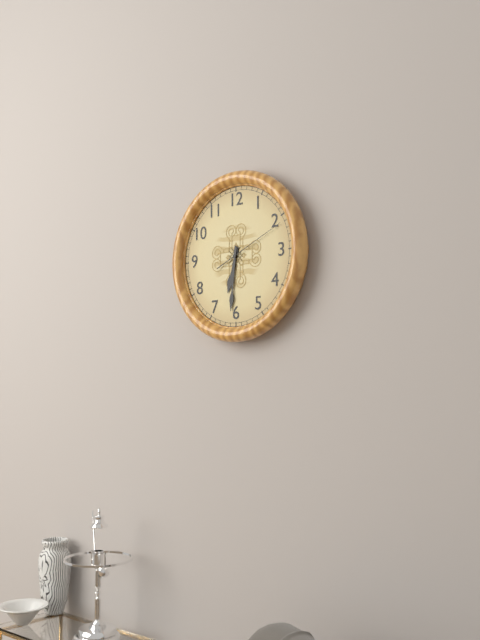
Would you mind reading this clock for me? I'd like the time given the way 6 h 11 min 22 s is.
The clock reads 6 h 31 min 11 s
